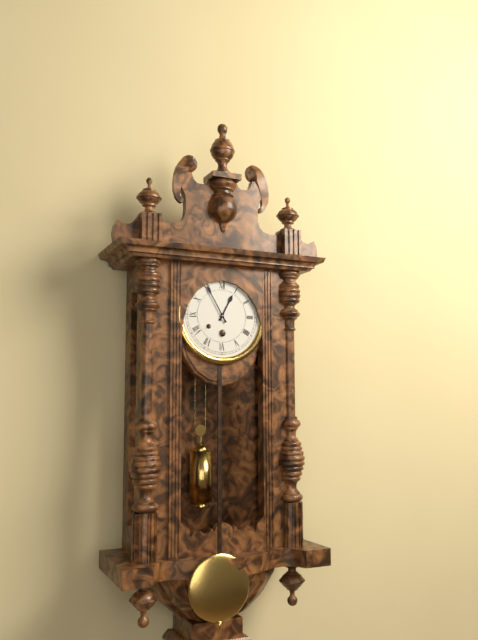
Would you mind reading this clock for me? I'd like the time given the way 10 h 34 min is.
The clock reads 12 h 55 min
